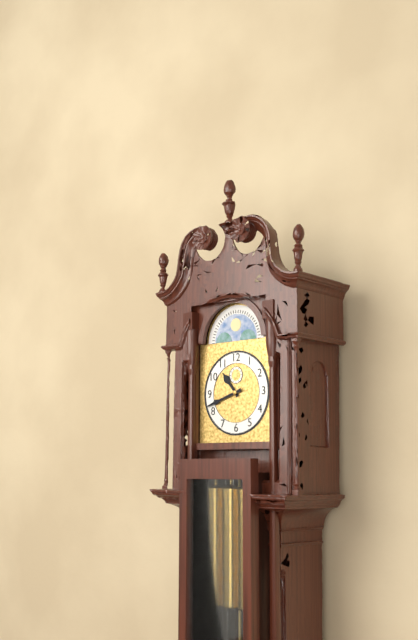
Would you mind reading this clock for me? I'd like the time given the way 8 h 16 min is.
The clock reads 10 h 42 min
